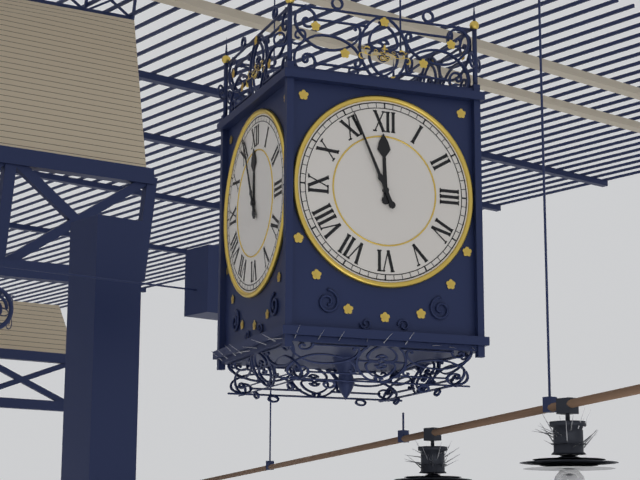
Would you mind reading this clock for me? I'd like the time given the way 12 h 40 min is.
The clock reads 11 h 56 min
